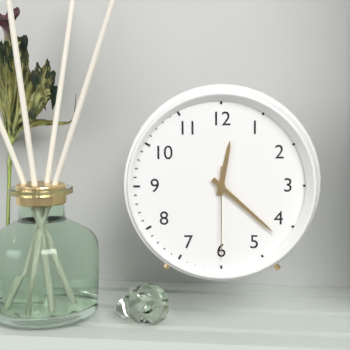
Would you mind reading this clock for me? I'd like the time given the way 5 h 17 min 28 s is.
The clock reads 12 h 22 min 30 s
